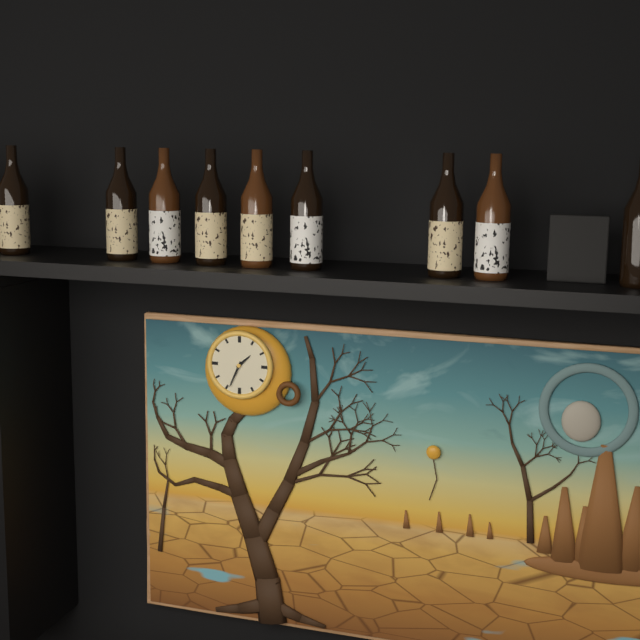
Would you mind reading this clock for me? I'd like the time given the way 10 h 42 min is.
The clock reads 1 h 34 min
